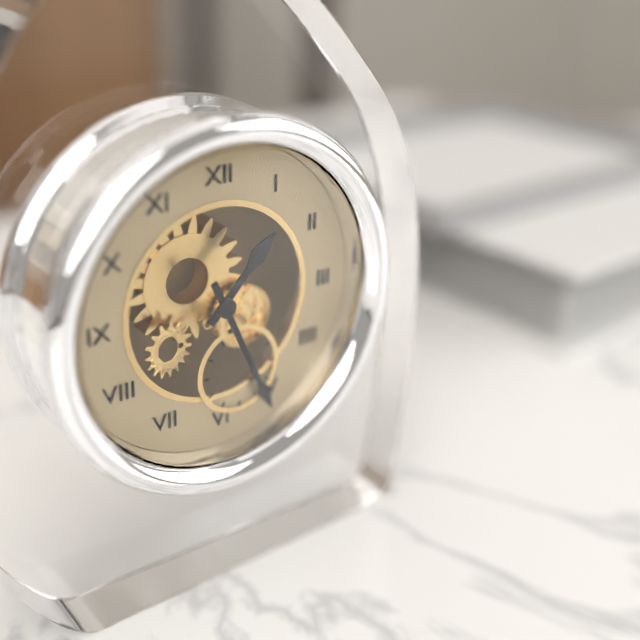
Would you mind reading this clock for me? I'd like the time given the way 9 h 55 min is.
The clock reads 1 h 26 min
